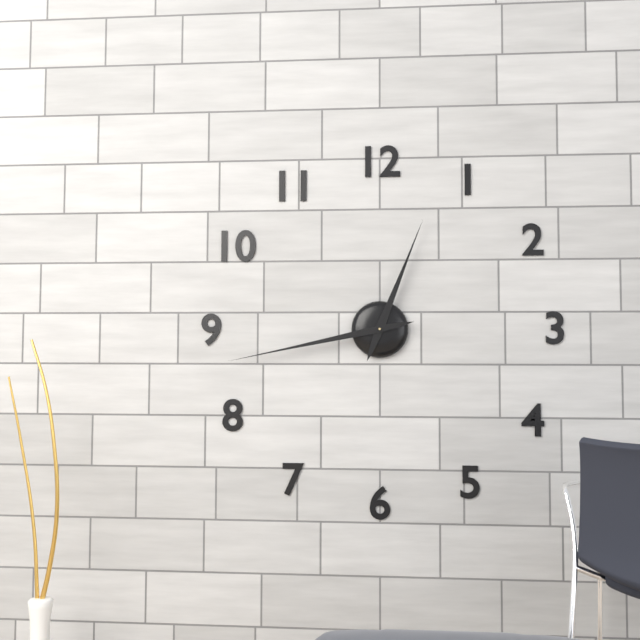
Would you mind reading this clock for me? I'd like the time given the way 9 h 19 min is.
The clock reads 12 h 43 min
